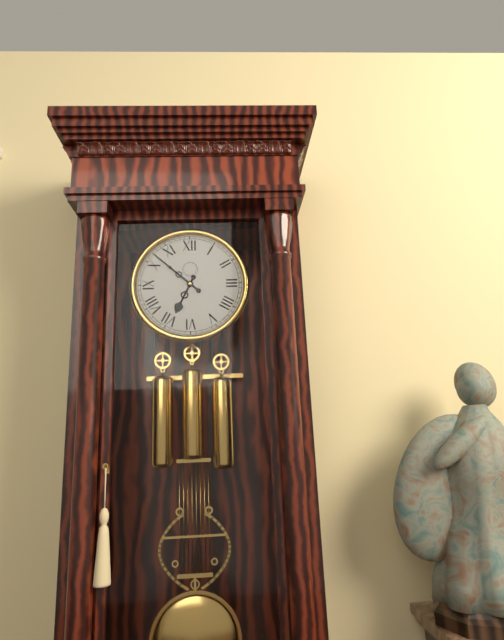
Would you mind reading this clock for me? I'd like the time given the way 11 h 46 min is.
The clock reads 6 h 52 min
